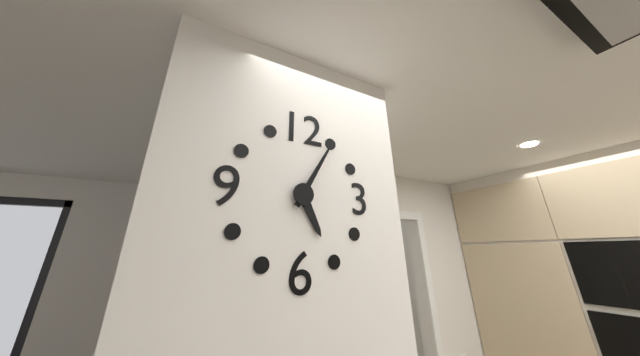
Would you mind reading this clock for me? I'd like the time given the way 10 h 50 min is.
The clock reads 5 h 05 min
